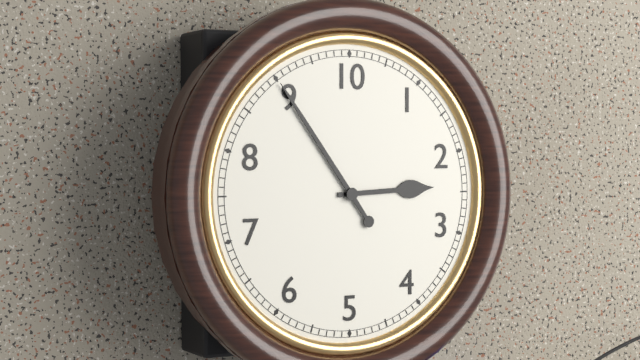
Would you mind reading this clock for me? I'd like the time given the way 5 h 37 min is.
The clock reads 2 h 54 min
